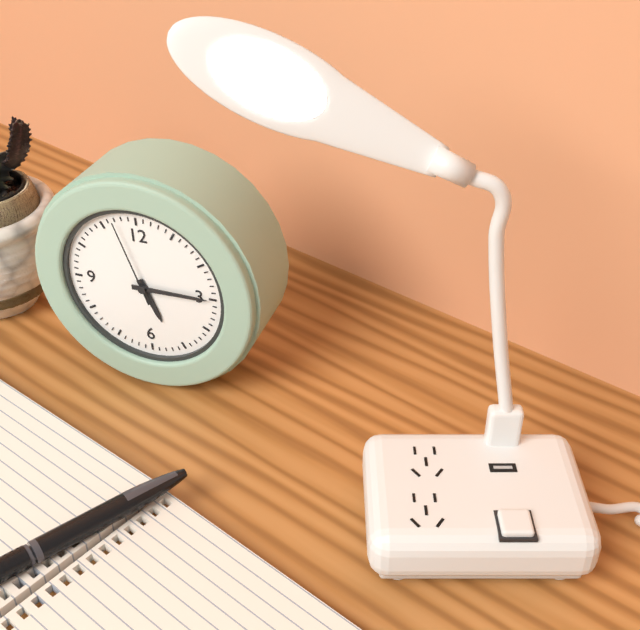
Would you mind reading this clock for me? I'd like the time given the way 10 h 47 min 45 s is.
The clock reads 5 h 15 min 57 s
